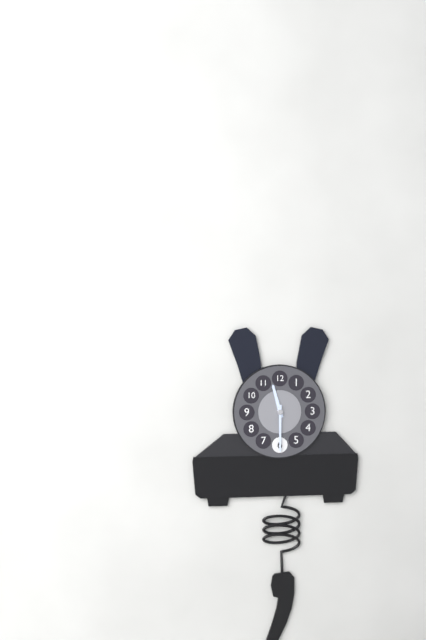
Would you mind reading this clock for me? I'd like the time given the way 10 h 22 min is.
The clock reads 11 h 30 min
